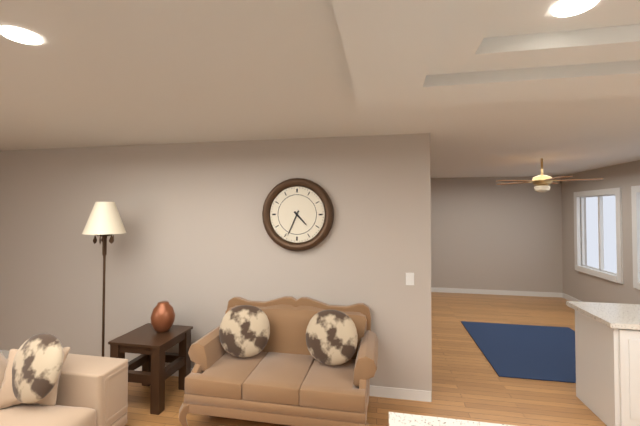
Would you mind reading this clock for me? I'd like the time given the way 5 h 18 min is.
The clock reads 4 h 34 min
